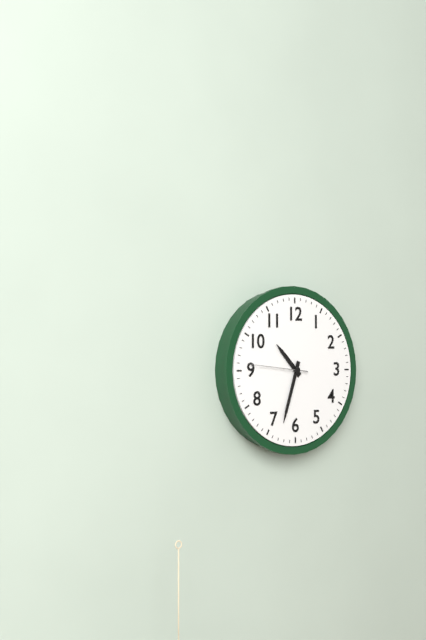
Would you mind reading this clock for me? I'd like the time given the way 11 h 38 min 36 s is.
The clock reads 10 h 33 min 46 s
